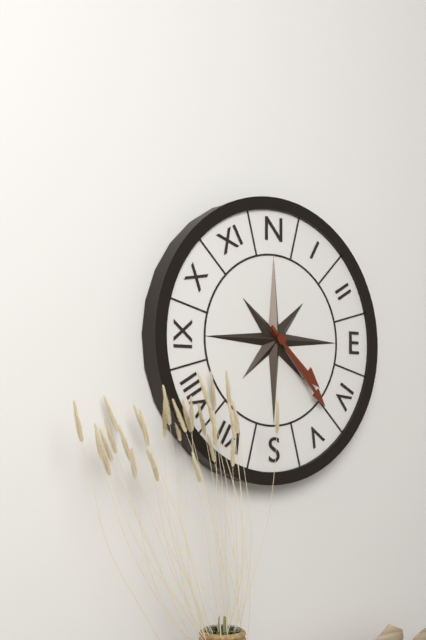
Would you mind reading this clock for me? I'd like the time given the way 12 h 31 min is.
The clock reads 4 h 23 min
